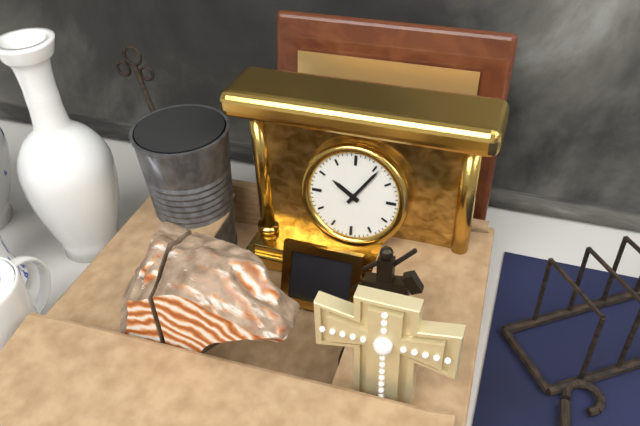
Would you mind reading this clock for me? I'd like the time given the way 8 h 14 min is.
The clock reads 10 h 06 min
